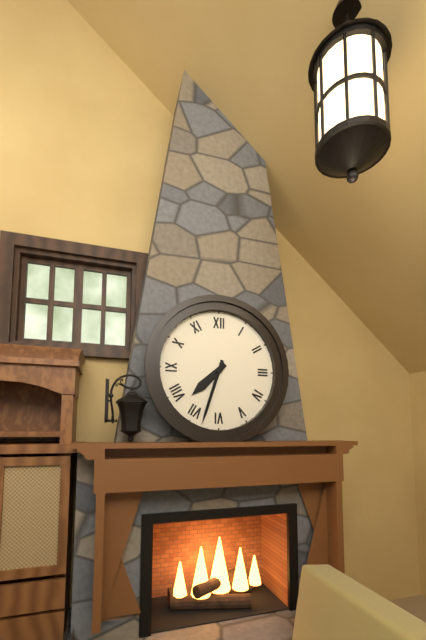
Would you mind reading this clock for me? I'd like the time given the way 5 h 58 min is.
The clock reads 7 h 33 min
